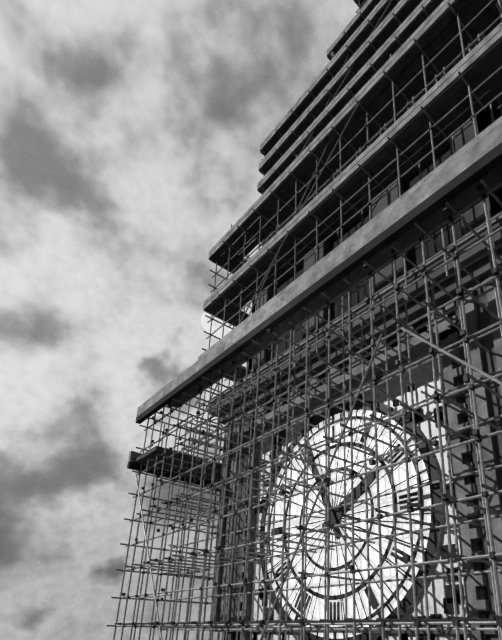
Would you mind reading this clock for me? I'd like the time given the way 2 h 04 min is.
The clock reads 1 h 56 min
